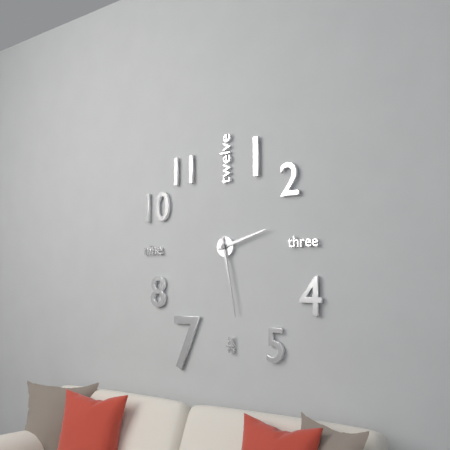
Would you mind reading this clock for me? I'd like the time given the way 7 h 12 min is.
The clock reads 2 h 28 min
